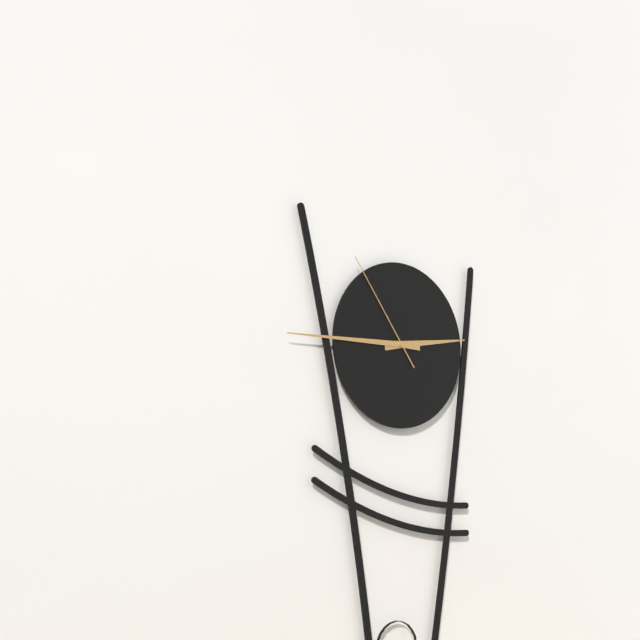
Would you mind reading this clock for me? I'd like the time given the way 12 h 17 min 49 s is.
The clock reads 2 h 45 min 54 s
